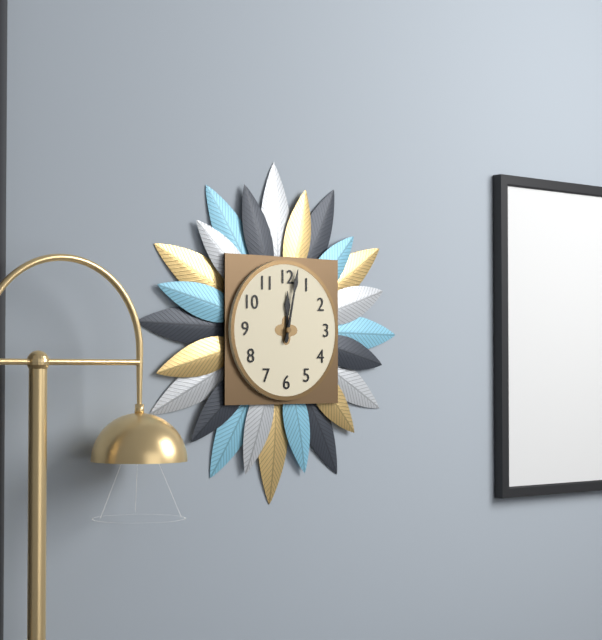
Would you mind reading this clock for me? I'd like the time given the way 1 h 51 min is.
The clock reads 12 h 02 min
